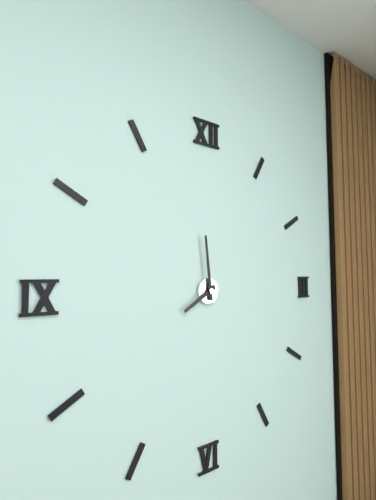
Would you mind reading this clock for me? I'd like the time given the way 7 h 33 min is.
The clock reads 7 h 59 min
